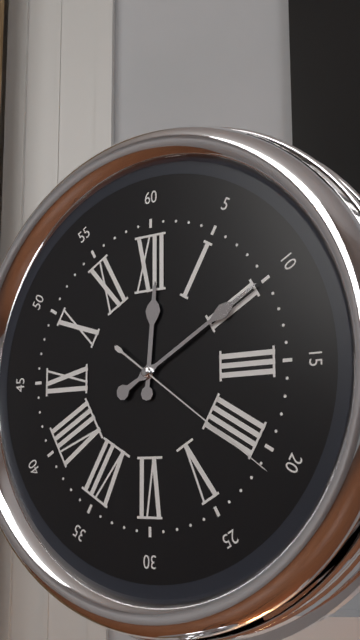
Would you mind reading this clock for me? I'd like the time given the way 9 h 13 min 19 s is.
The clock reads 12 h 10 min 21 s
